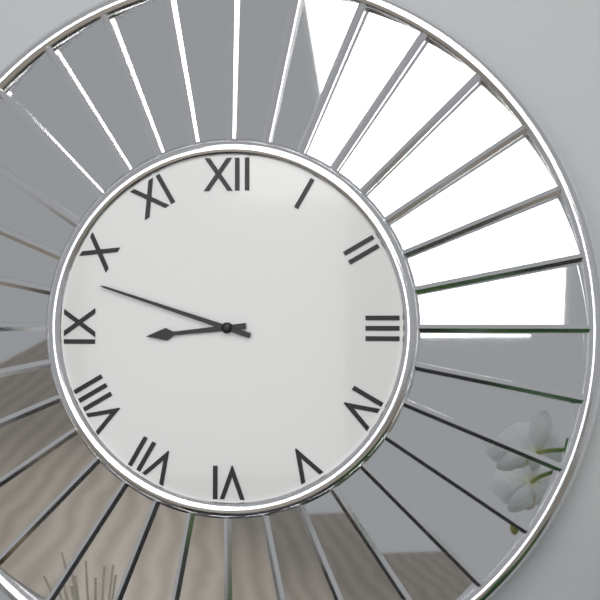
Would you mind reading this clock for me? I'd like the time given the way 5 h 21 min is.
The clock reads 8 h 48 min
